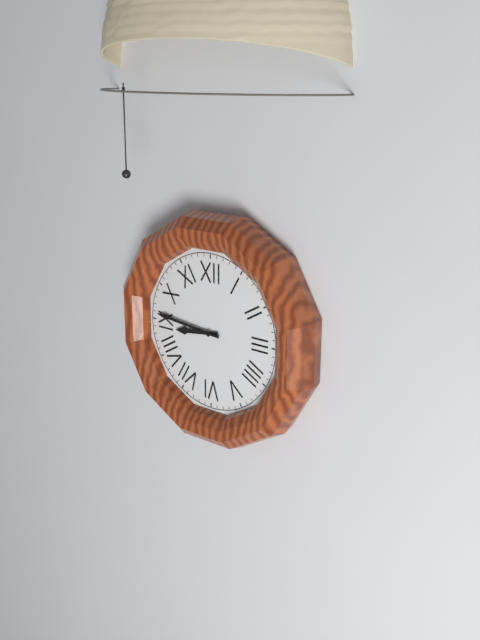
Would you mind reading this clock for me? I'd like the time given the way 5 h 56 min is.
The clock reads 8 h 46 min
